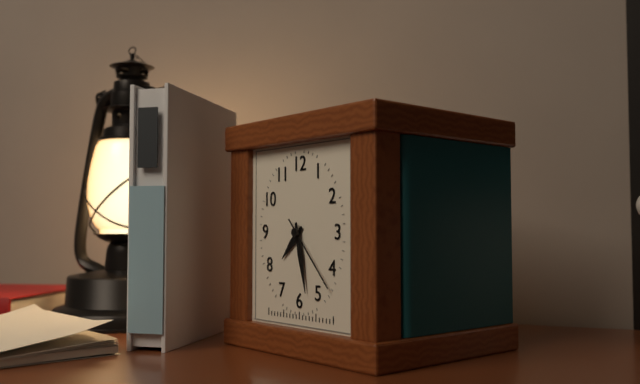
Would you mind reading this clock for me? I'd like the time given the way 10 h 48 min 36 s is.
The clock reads 7 h 28 min 23 s
